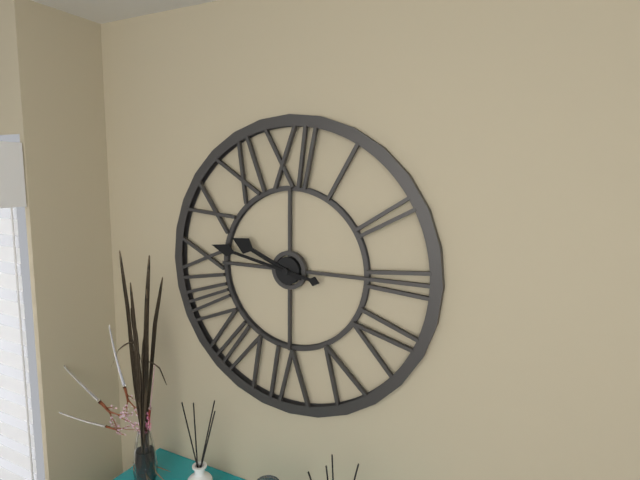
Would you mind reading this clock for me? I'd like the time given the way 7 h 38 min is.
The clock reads 9 h 47 min
